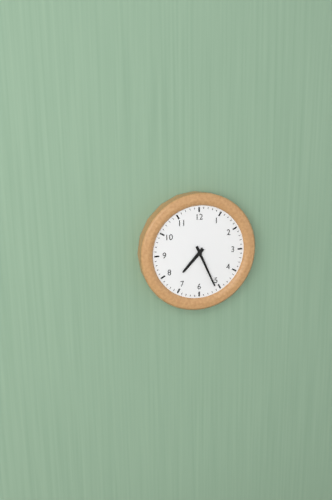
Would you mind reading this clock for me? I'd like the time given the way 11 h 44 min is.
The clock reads 7 h 26 min
